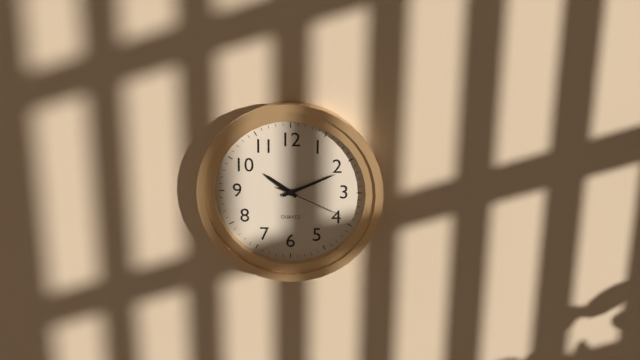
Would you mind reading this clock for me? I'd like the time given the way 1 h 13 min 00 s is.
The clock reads 10 h 11 min 19 s
